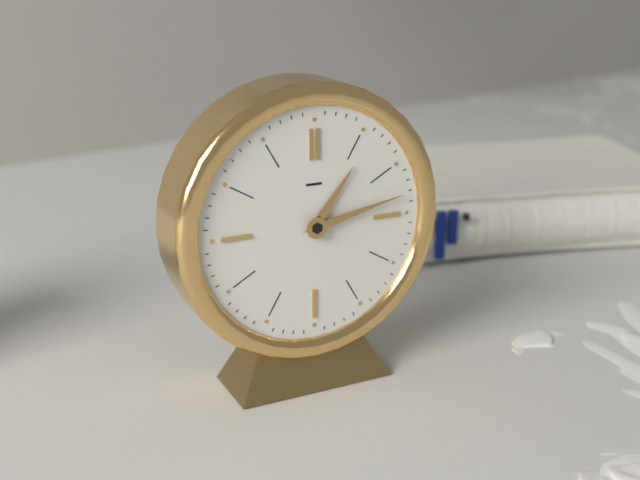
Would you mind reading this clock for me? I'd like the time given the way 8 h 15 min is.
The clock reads 1 h 13 min
